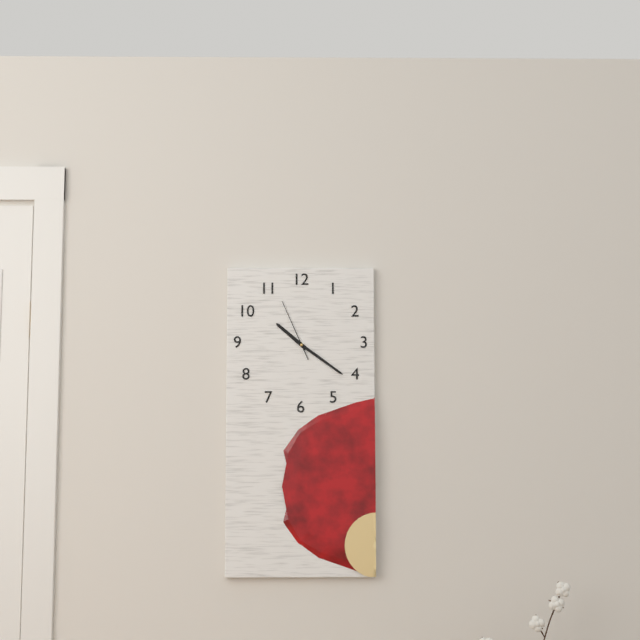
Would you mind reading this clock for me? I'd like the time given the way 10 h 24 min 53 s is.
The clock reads 10 h 21 min 56 s
